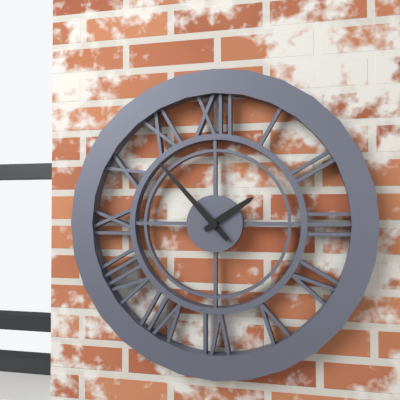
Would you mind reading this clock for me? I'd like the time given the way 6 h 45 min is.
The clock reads 1 h 53 min
